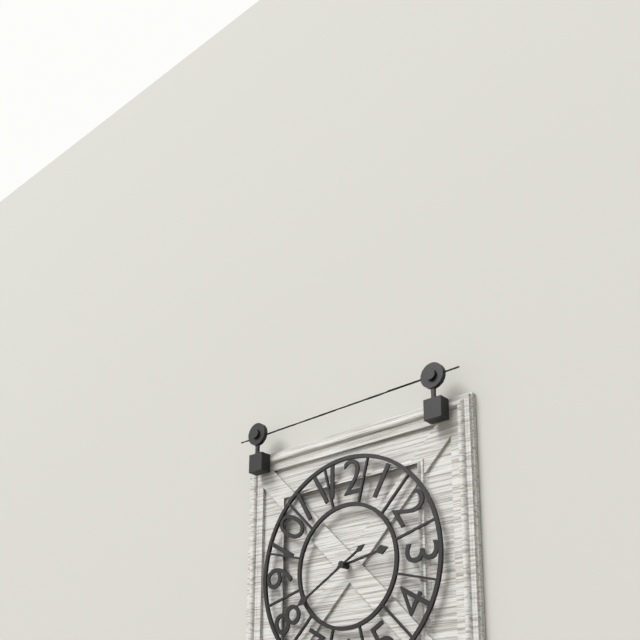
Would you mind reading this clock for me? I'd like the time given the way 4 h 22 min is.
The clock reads 2 h 40 min
